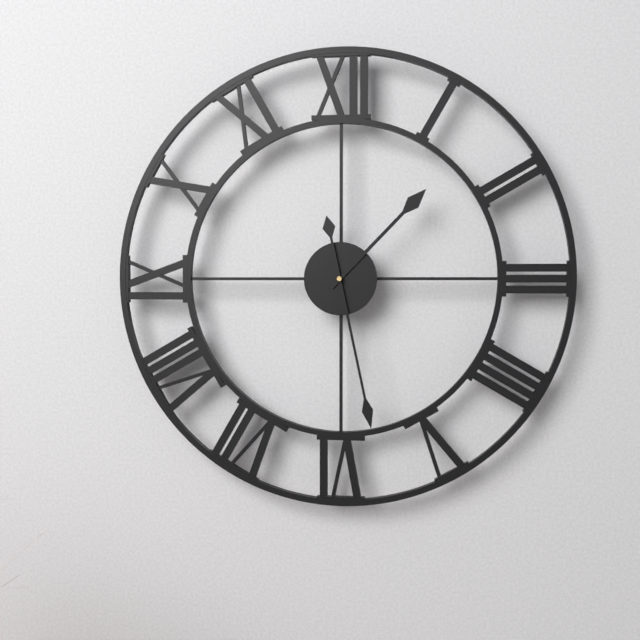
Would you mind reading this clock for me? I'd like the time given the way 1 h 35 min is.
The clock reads 1 h 28 min
